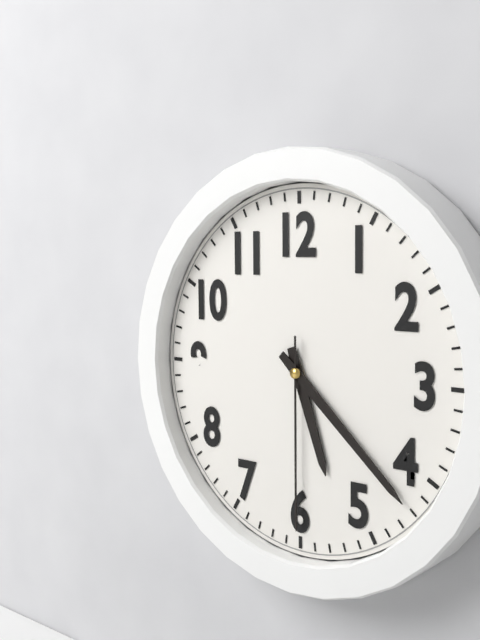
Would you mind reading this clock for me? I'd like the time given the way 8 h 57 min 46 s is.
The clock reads 5 h 22 min 30 s
